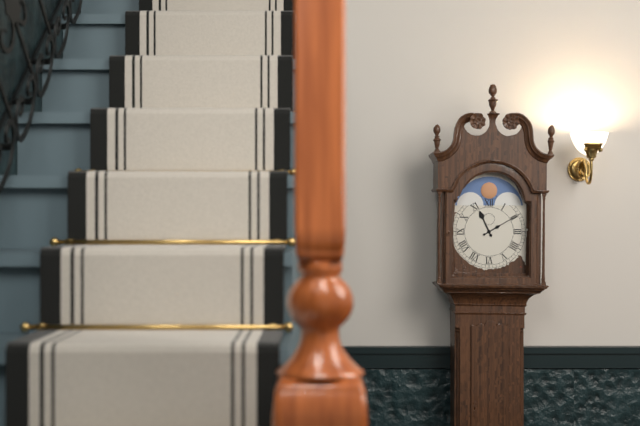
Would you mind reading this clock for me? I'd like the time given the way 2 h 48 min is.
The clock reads 11 h 10 min
